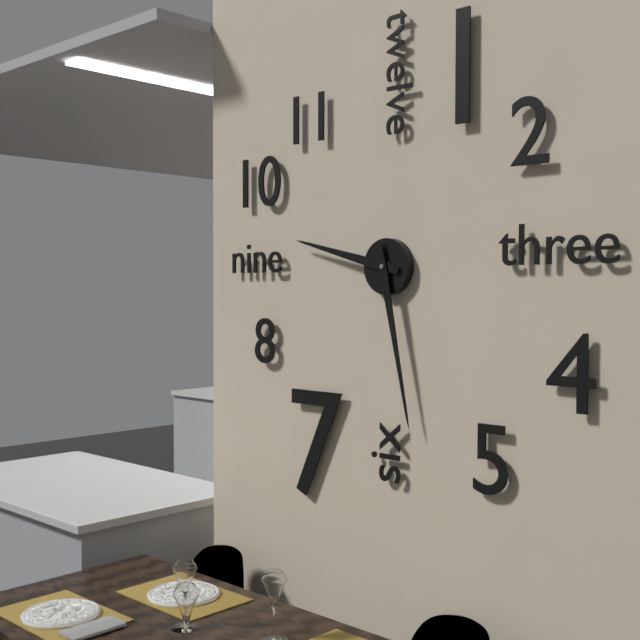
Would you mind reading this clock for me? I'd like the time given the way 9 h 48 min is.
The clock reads 9 h 28 min
